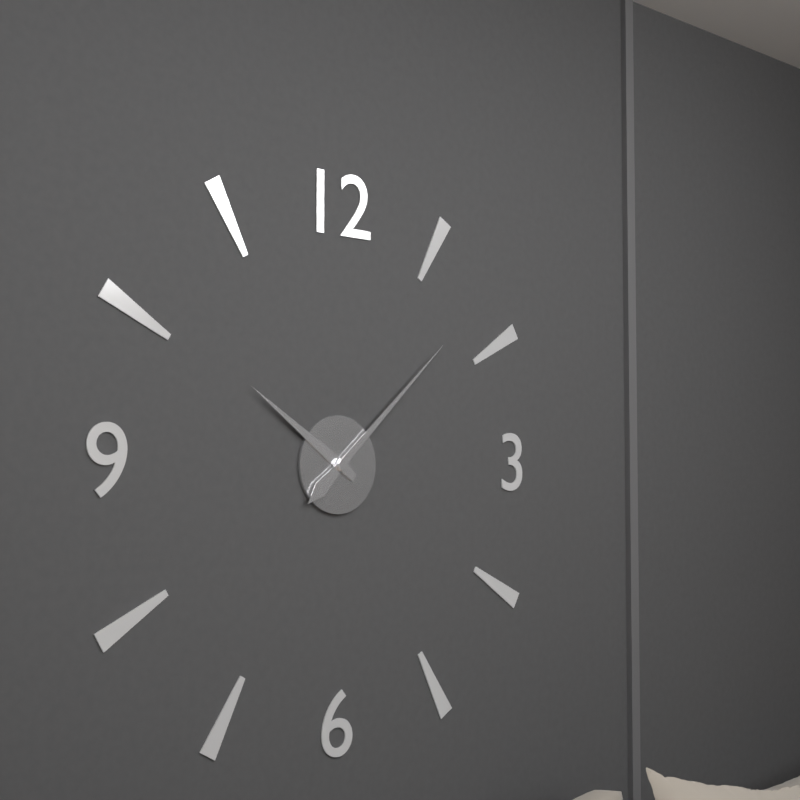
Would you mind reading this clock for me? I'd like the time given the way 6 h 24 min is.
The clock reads 10 h 08 min
